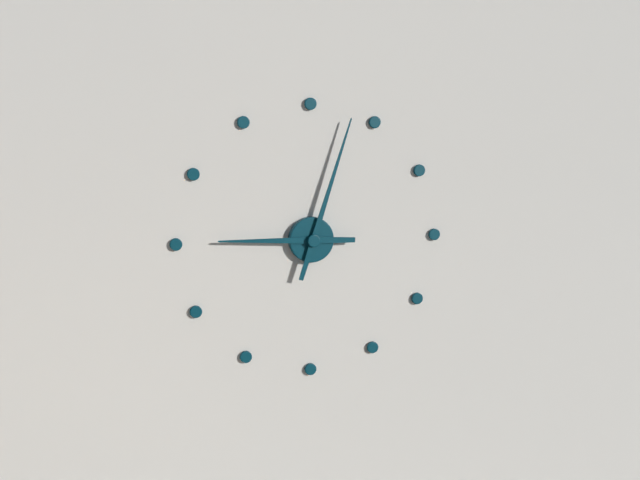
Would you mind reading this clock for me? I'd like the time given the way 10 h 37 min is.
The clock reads 9 h 03 min
